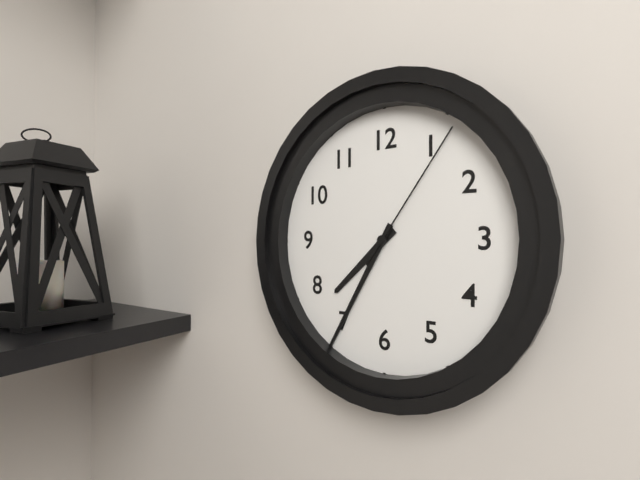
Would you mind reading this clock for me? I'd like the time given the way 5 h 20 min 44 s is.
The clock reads 7 h 35 min 06 s
